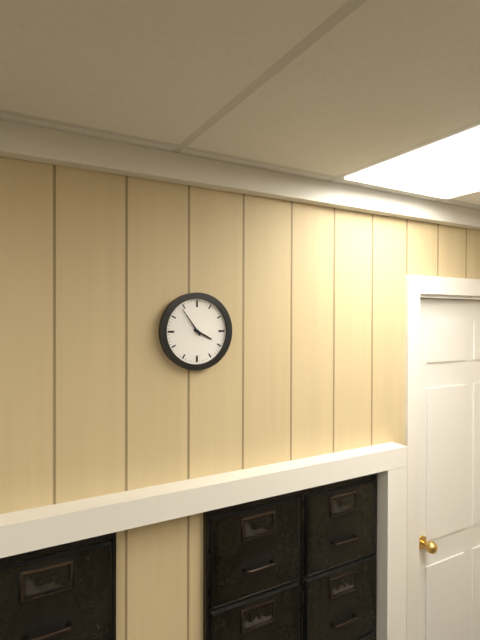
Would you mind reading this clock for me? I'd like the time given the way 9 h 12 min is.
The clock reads 3 h 54 min
